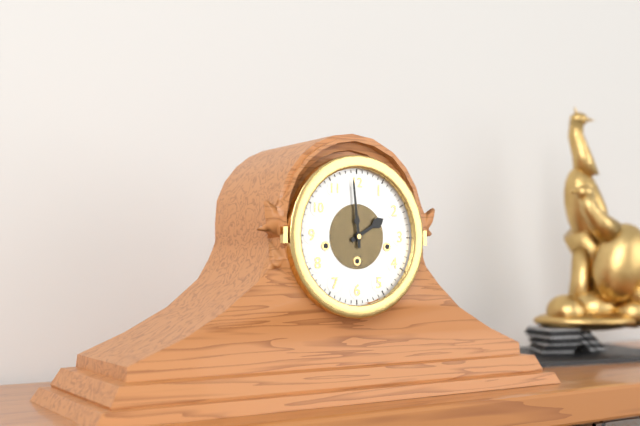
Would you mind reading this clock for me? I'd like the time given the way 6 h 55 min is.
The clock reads 1 h 59 min
